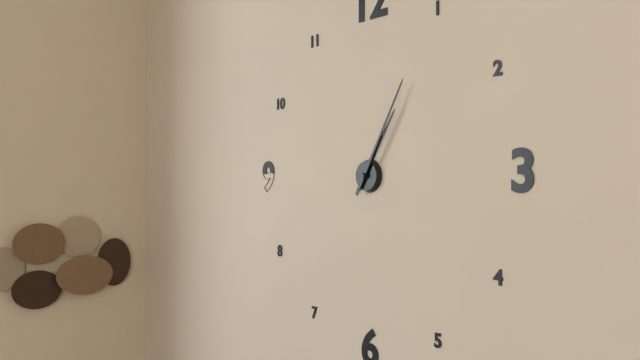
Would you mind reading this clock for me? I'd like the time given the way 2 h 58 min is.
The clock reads 1 h 05 min
